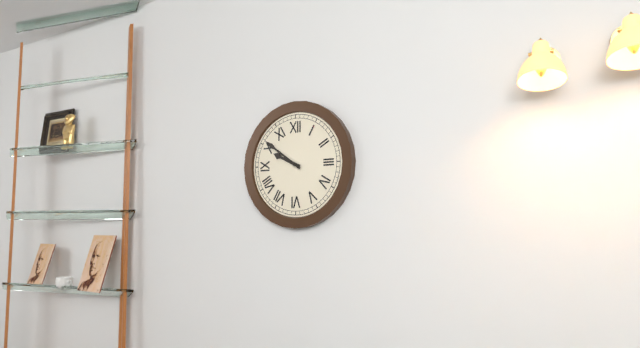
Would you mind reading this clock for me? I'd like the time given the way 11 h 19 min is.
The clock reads 9 h 51 min
